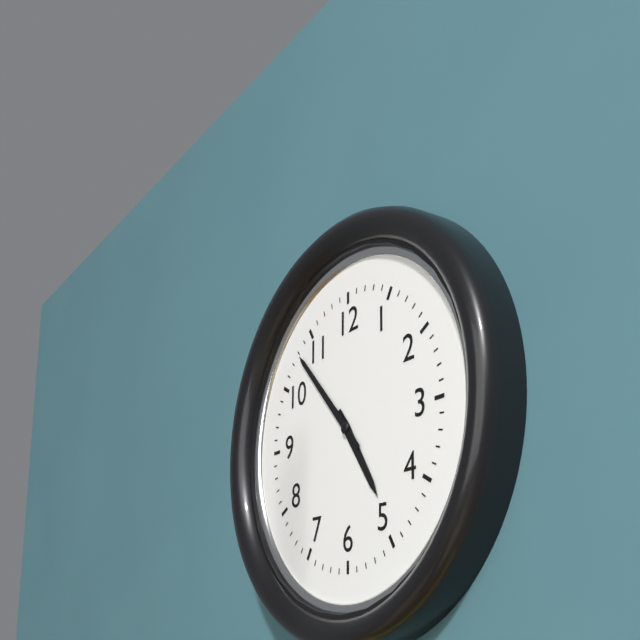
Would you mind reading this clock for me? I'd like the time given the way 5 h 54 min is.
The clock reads 4 h 53 min
